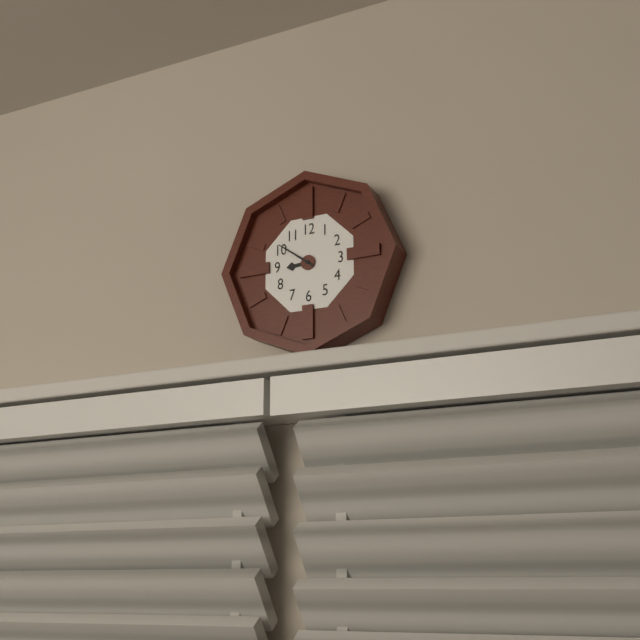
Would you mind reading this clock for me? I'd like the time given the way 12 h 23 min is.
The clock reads 8 h 51 min
